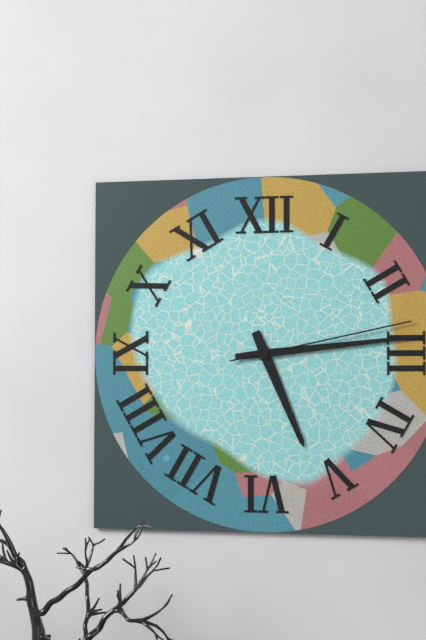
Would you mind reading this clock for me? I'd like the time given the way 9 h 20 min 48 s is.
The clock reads 5 h 14 min 13 s
